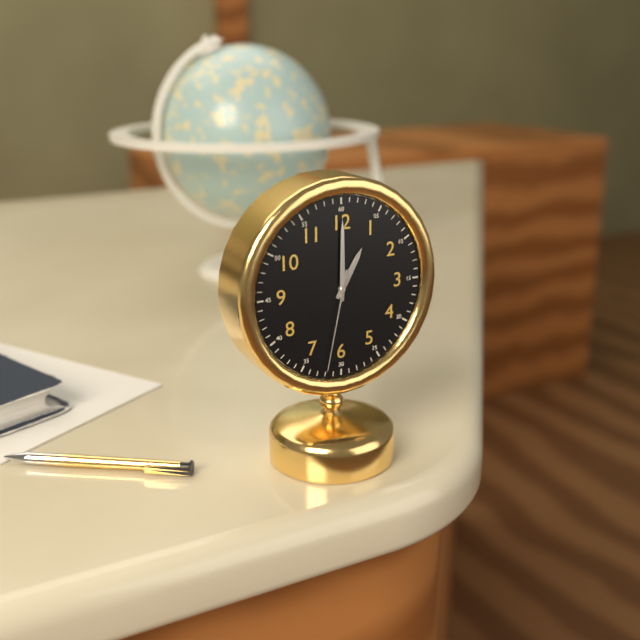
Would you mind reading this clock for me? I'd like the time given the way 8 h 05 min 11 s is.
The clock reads 1 h 00 min 32 s
